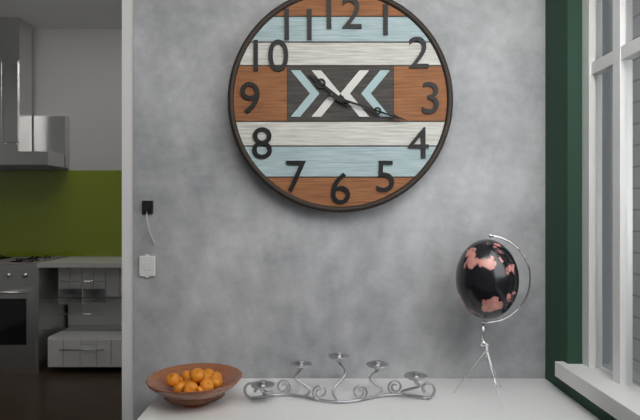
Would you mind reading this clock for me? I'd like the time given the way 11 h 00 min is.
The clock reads 10 h 18 min
